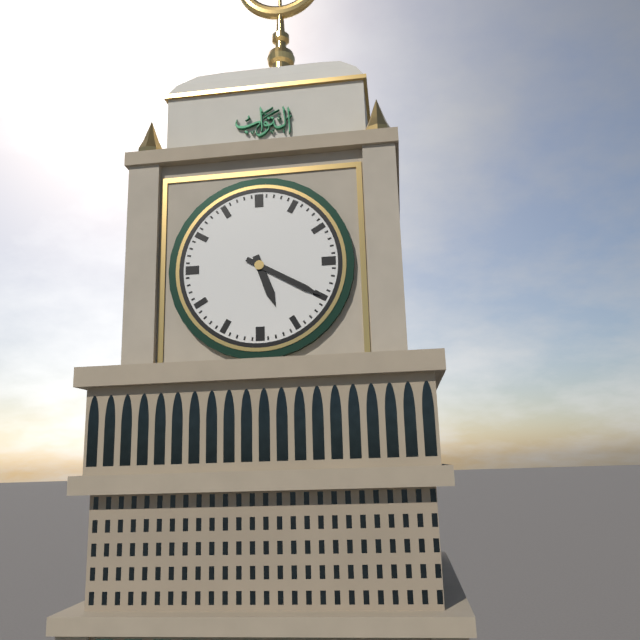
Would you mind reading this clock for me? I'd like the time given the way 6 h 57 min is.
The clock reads 5 h 20 min
